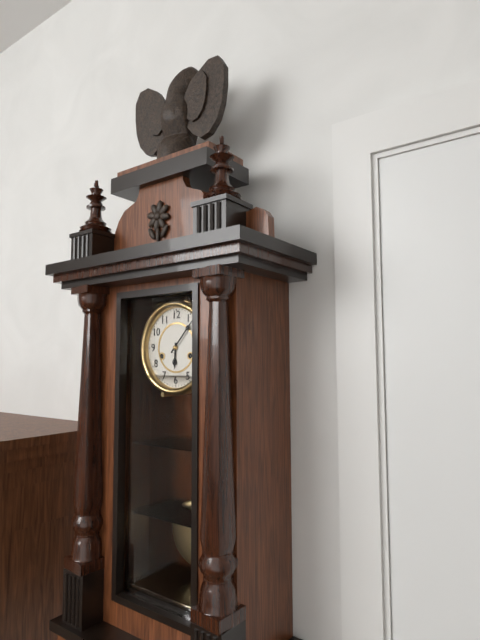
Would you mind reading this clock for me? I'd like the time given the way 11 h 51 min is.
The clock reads 6 h 07 min
